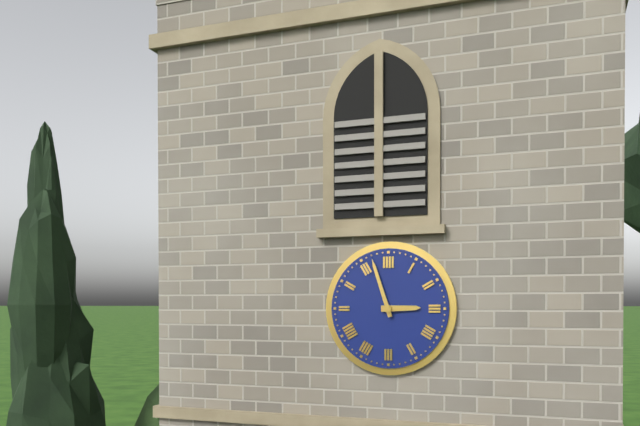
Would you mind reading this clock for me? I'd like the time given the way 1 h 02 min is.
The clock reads 2 h 57 min
